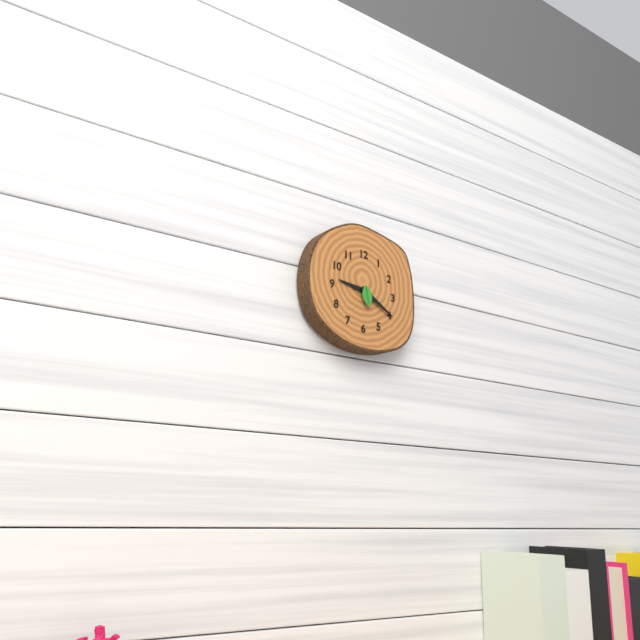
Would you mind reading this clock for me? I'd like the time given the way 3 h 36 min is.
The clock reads 9 h 20 min
